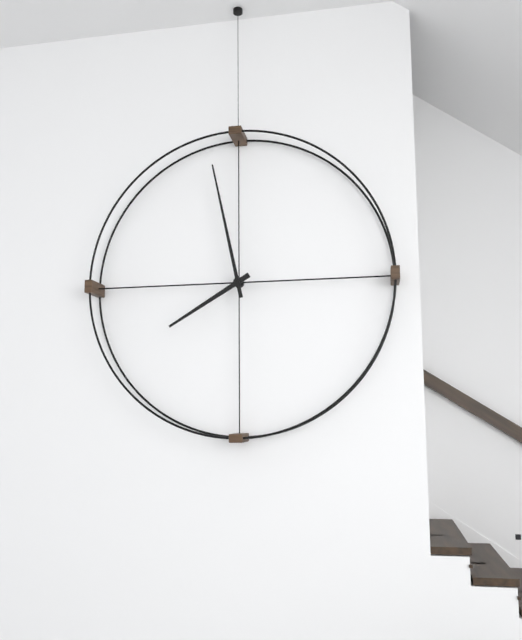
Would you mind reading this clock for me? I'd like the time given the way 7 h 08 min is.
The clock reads 7 h 58 min
